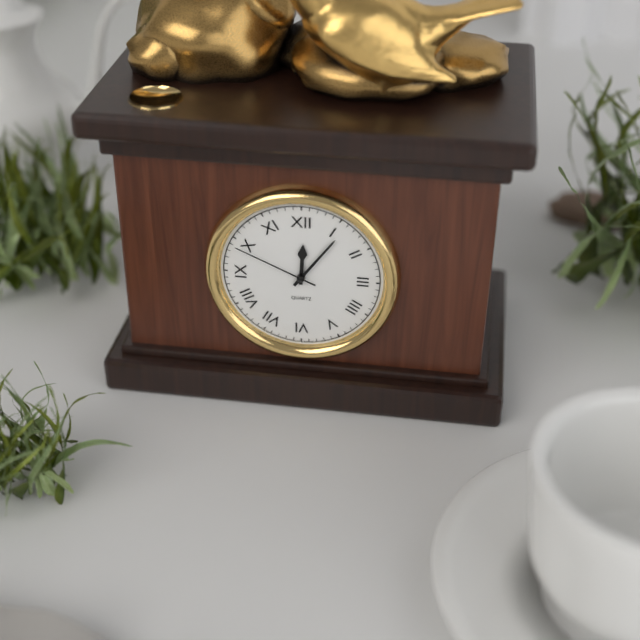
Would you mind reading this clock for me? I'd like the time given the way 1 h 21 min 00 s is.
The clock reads 12 h 06 min 49 s
